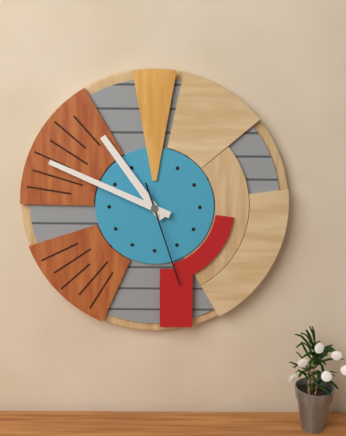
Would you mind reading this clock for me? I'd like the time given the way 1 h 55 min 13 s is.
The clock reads 10 h 49 min 27 s
